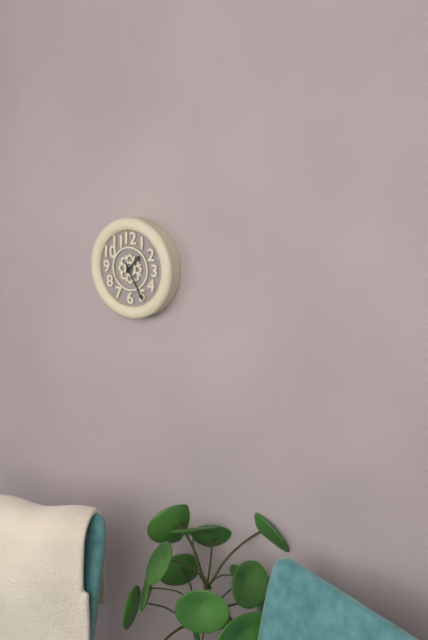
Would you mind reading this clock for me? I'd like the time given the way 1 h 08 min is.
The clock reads 1 h 25 min
